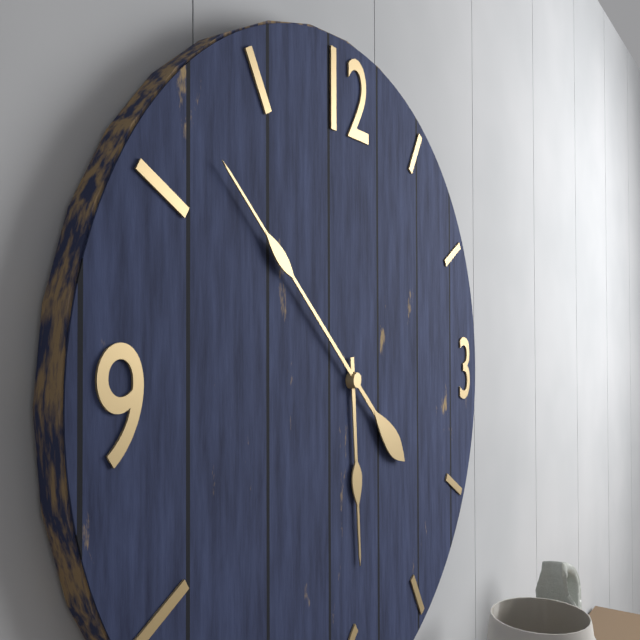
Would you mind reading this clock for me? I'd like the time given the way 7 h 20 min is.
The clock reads 5 h 52 min
